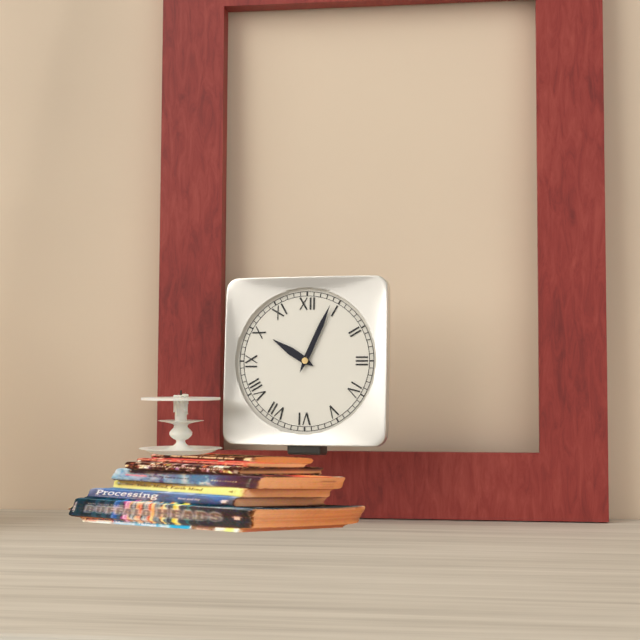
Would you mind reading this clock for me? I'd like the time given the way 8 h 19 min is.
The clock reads 10 h 04 min
